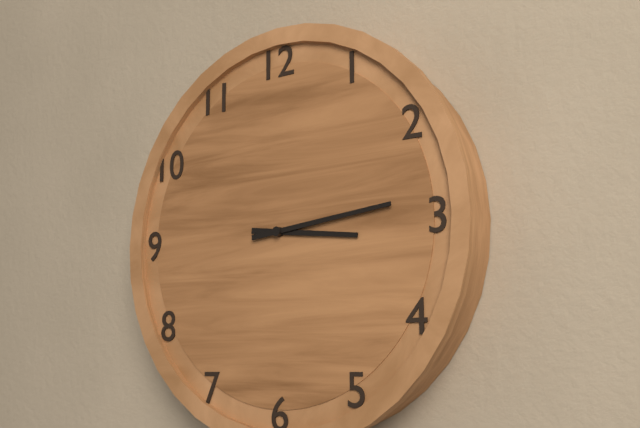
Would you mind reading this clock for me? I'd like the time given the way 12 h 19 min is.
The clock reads 3 h 14 min
